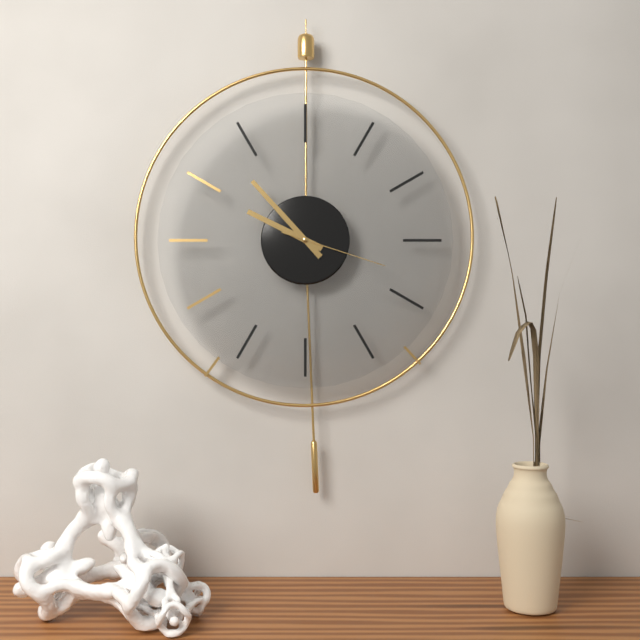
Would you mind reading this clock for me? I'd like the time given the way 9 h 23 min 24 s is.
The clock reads 9 h 53 min 18 s
